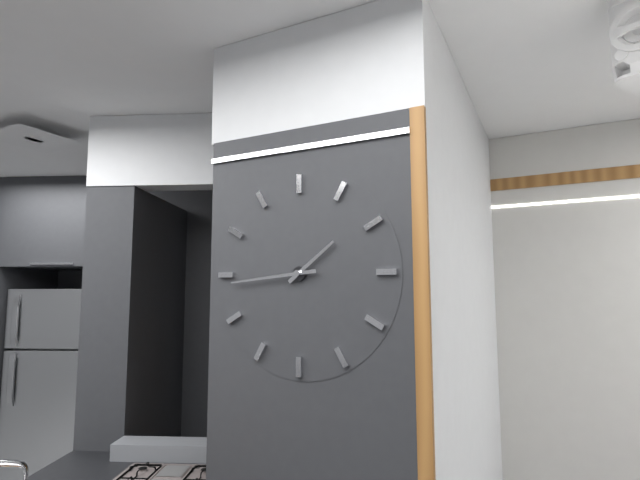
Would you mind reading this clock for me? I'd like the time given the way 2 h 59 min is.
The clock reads 1 h 44 min
